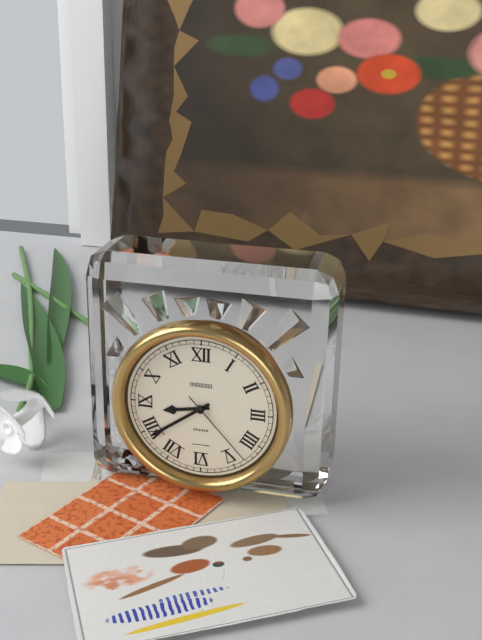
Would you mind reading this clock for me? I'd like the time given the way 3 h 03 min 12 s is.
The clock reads 8 h 39 min 23 s
